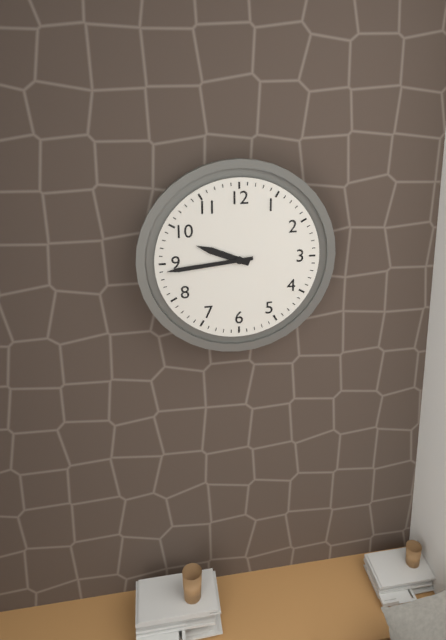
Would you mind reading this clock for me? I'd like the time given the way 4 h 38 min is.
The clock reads 9 h 44 min
